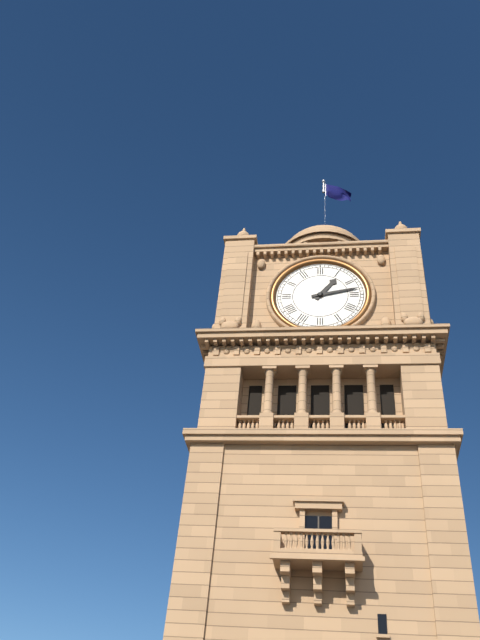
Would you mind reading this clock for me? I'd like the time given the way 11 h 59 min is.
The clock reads 1 h 13 min
